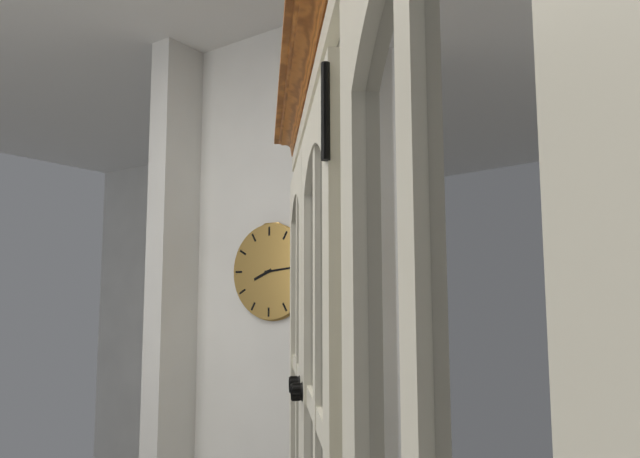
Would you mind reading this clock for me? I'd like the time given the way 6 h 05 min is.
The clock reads 8 h 14 min
